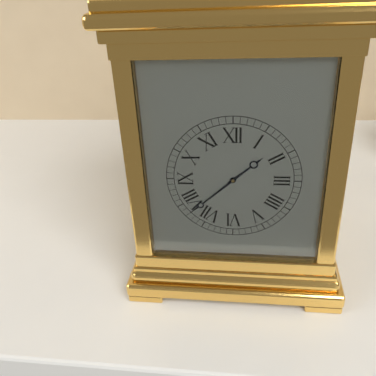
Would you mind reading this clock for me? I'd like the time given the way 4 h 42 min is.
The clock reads 1 h 38 min
